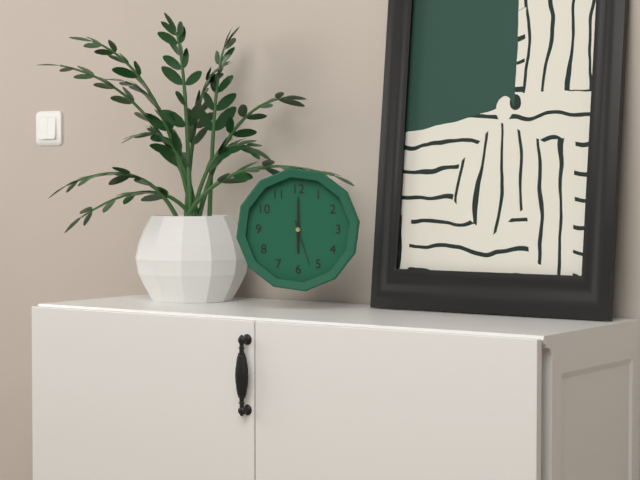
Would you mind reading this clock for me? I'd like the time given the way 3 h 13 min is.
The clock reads 6 h 00 min
